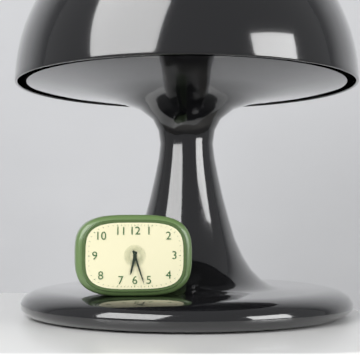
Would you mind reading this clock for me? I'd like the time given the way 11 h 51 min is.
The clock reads 6 h 27 min
